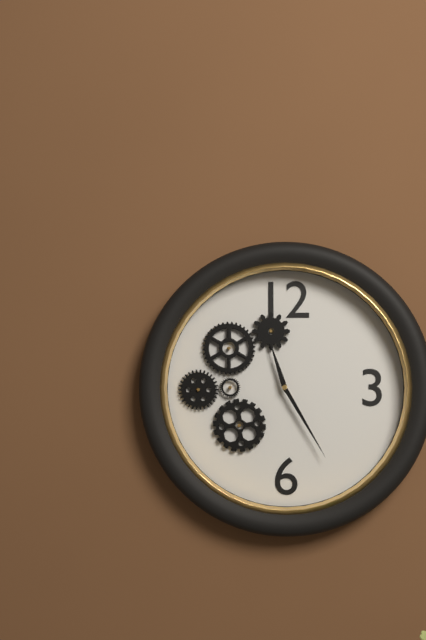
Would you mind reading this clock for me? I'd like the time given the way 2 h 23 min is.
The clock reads 11 h 25 min
